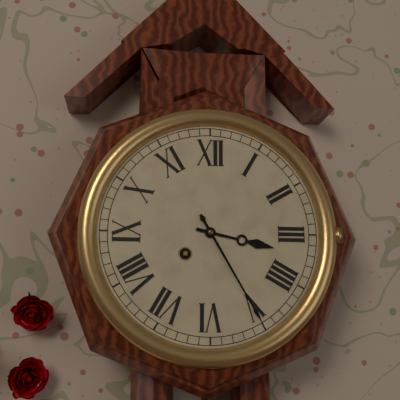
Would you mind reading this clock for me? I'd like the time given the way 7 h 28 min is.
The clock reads 3 h 25 min
